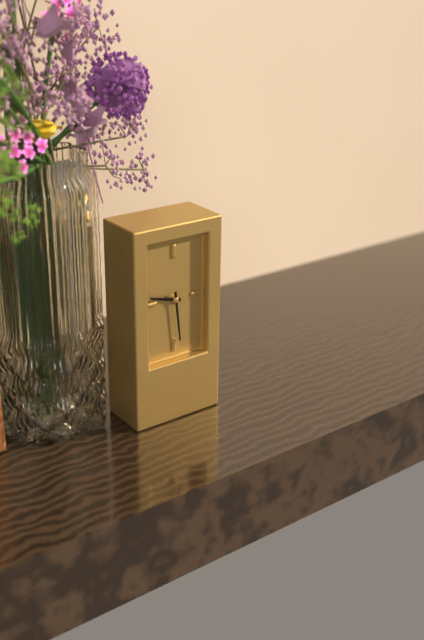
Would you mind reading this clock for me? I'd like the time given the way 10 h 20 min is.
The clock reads 9 h 29 min
